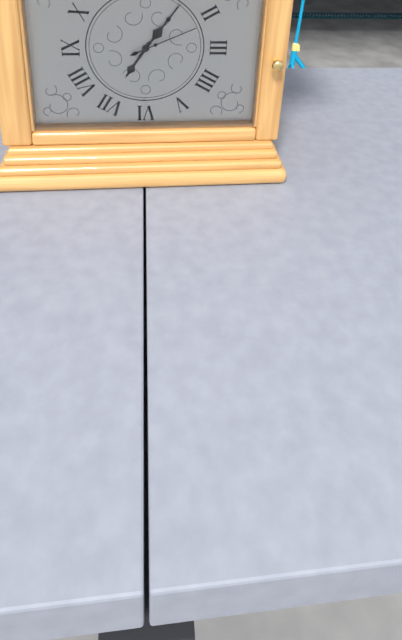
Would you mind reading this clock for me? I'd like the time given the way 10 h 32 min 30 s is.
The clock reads 7 h 06 min 11 s
